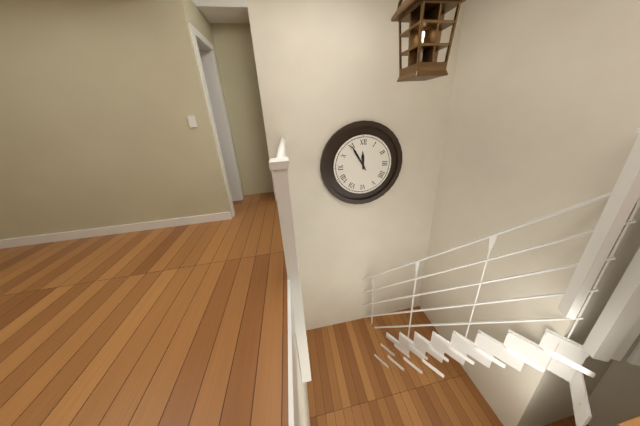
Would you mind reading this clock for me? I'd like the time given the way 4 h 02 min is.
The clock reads 11 h 55 min
